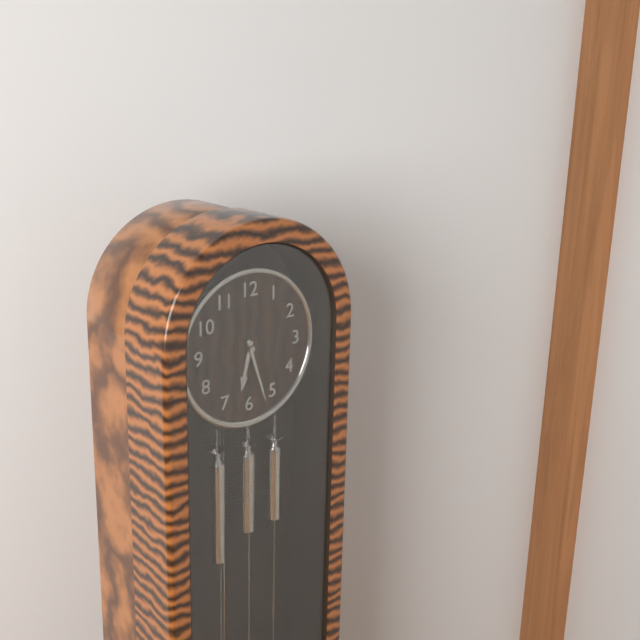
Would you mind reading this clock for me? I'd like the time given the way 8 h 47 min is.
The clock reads 6 h 27 min
